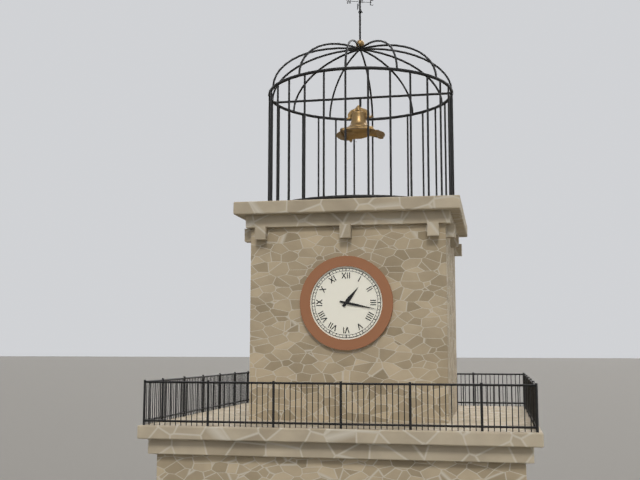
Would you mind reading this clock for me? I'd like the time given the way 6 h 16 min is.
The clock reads 1 h 17 min
